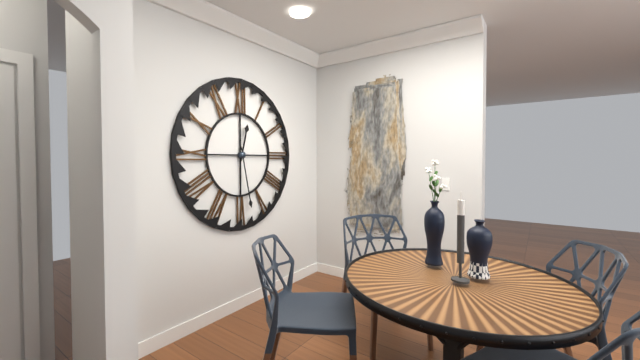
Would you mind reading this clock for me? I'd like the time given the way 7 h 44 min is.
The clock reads 12 h 28 min
